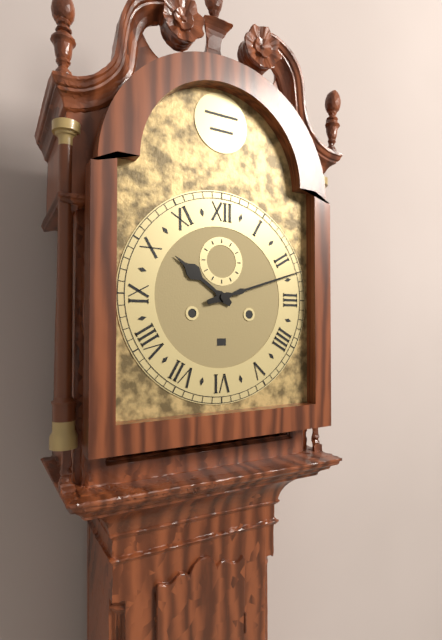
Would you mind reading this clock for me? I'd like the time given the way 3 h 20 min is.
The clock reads 10 h 12 min
